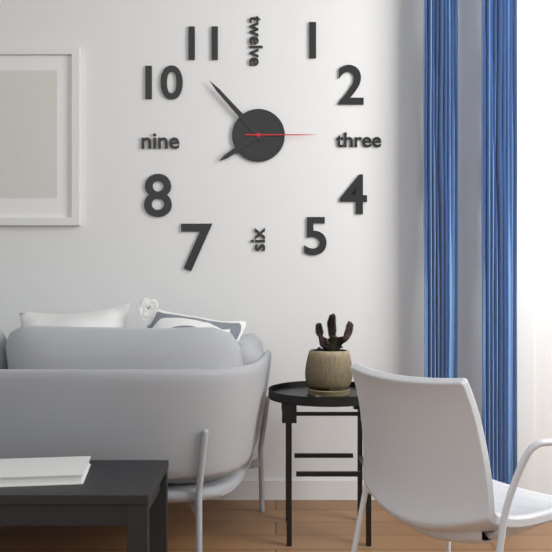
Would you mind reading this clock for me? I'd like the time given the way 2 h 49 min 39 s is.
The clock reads 7 h 53 min 15 s
